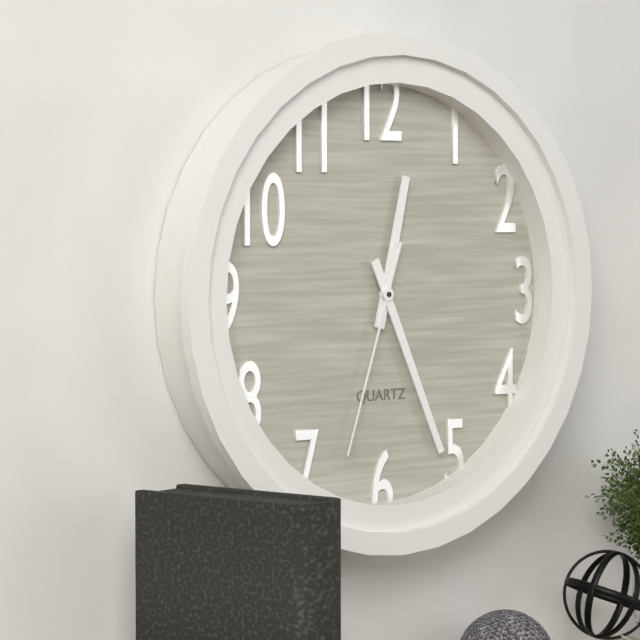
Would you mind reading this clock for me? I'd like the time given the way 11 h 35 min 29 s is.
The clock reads 12 h 26 min 33 s
